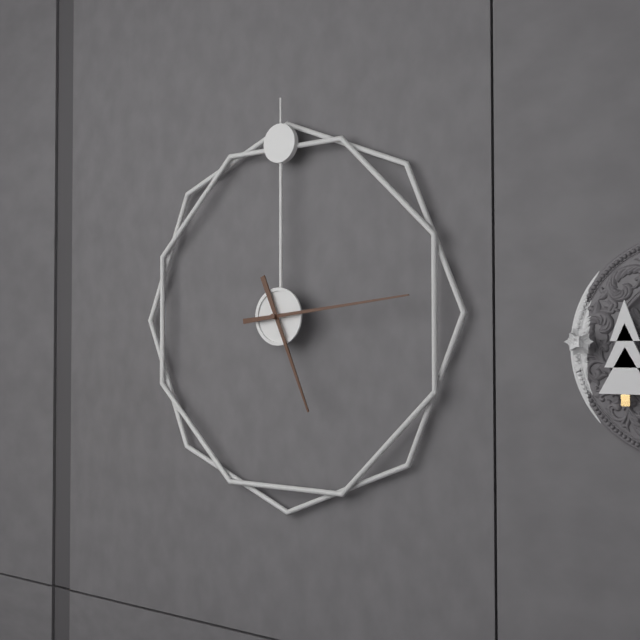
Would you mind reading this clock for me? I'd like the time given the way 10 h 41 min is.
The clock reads 5 h 14 min
